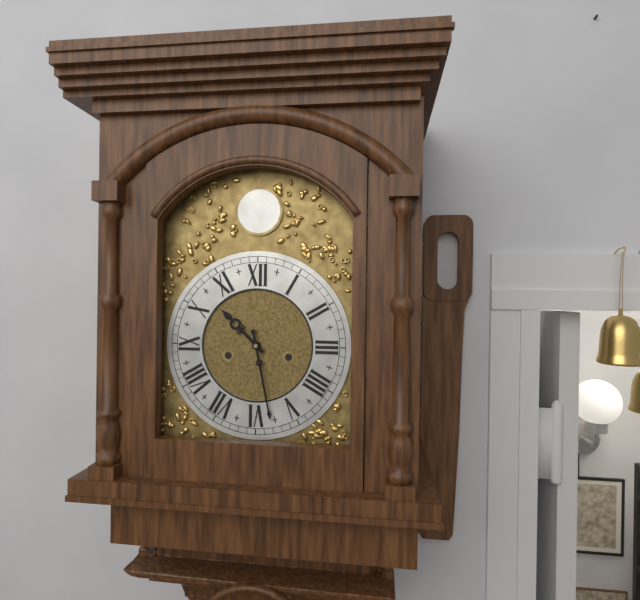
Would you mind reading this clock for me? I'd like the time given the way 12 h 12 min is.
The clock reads 10 h 28 min
